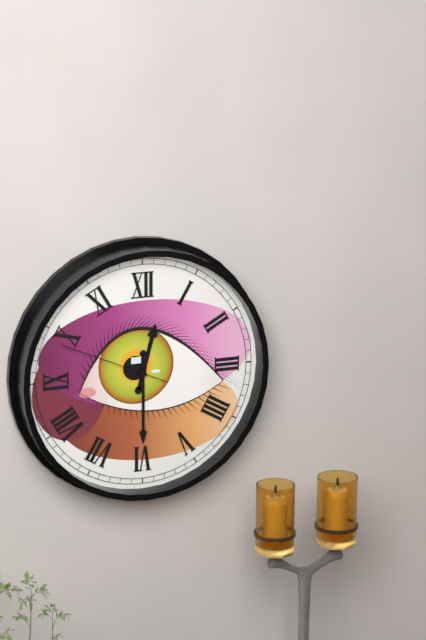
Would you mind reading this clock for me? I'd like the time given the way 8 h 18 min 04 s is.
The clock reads 12 h 30 min 49 s
